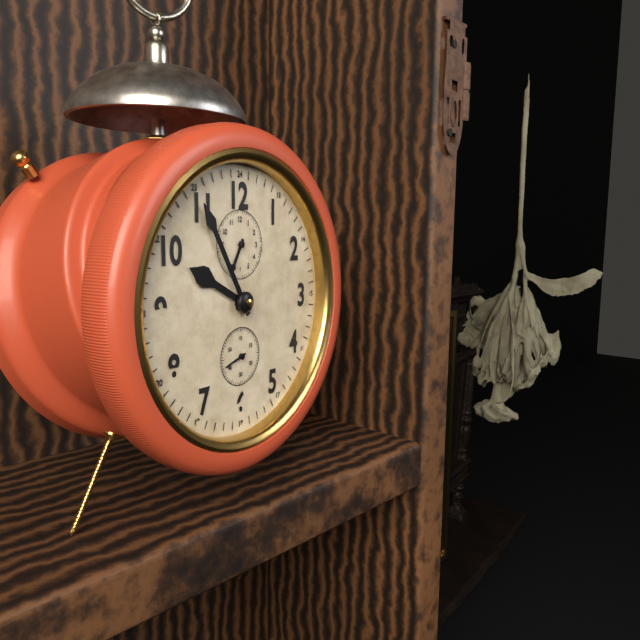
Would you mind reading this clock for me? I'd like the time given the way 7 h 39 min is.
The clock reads 9 h 55 min
